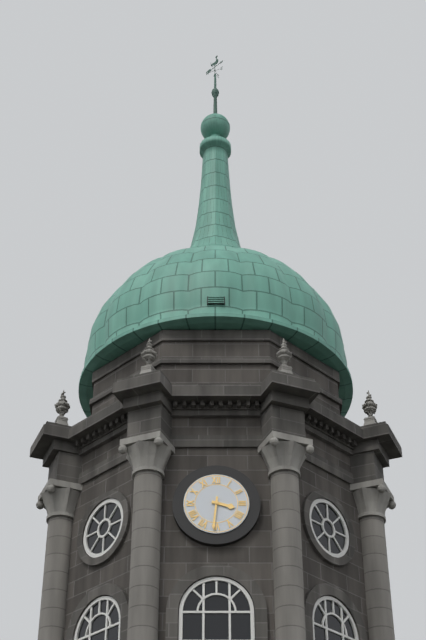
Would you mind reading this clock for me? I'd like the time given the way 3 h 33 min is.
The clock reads 3 h 31 min
